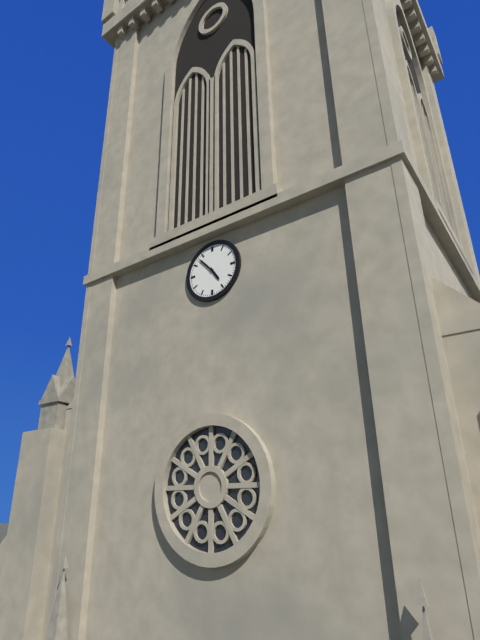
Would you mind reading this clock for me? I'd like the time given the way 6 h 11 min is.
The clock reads 4 h 53 min
